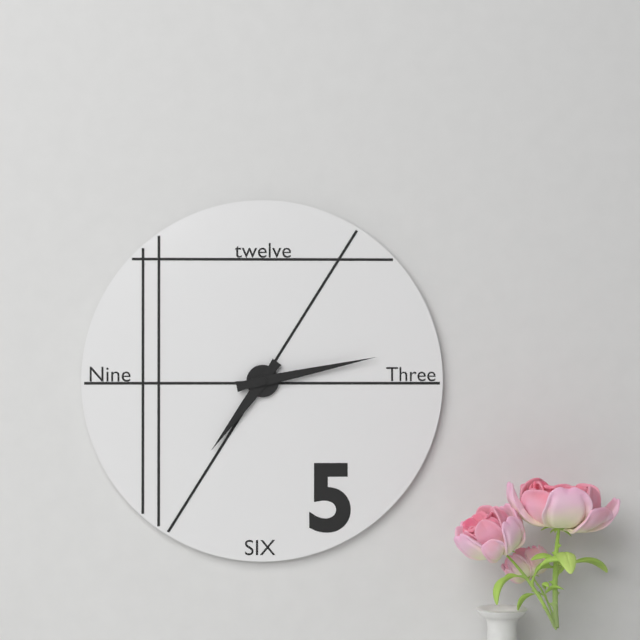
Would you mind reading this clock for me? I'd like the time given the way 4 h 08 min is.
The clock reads 7 h 13 min
